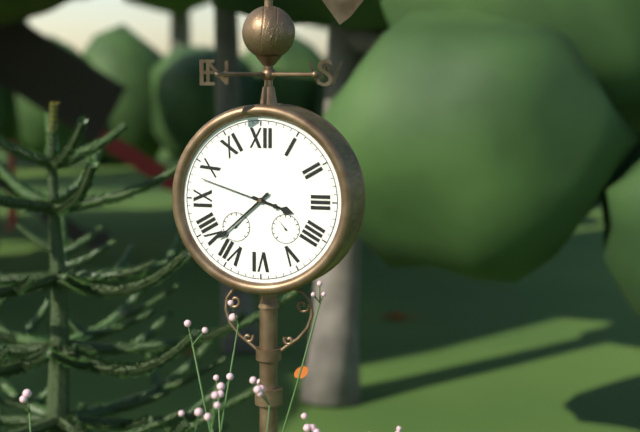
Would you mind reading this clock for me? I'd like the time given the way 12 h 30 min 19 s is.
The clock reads 3 h 38 min 48 s
